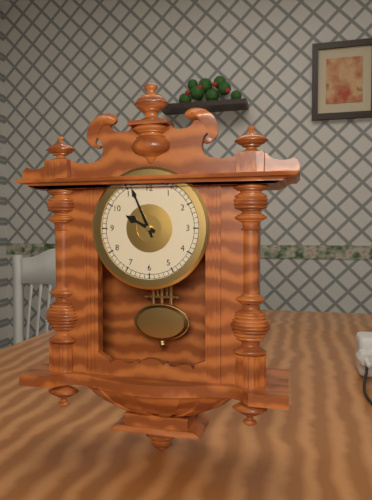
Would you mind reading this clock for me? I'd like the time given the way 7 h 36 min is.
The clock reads 9 h 56 min
